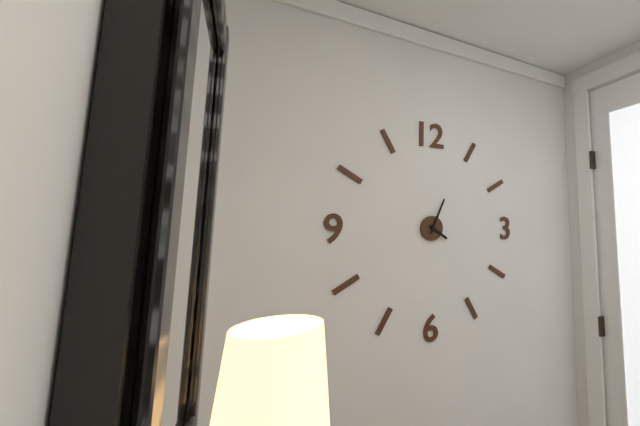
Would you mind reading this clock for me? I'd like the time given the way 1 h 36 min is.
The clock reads 4 h 04 min
